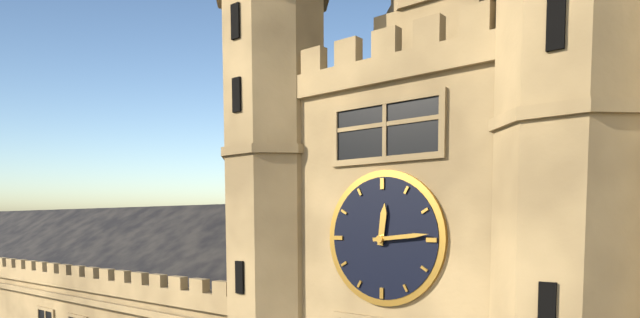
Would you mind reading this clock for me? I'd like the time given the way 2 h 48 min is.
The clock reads 12 h 14 min
